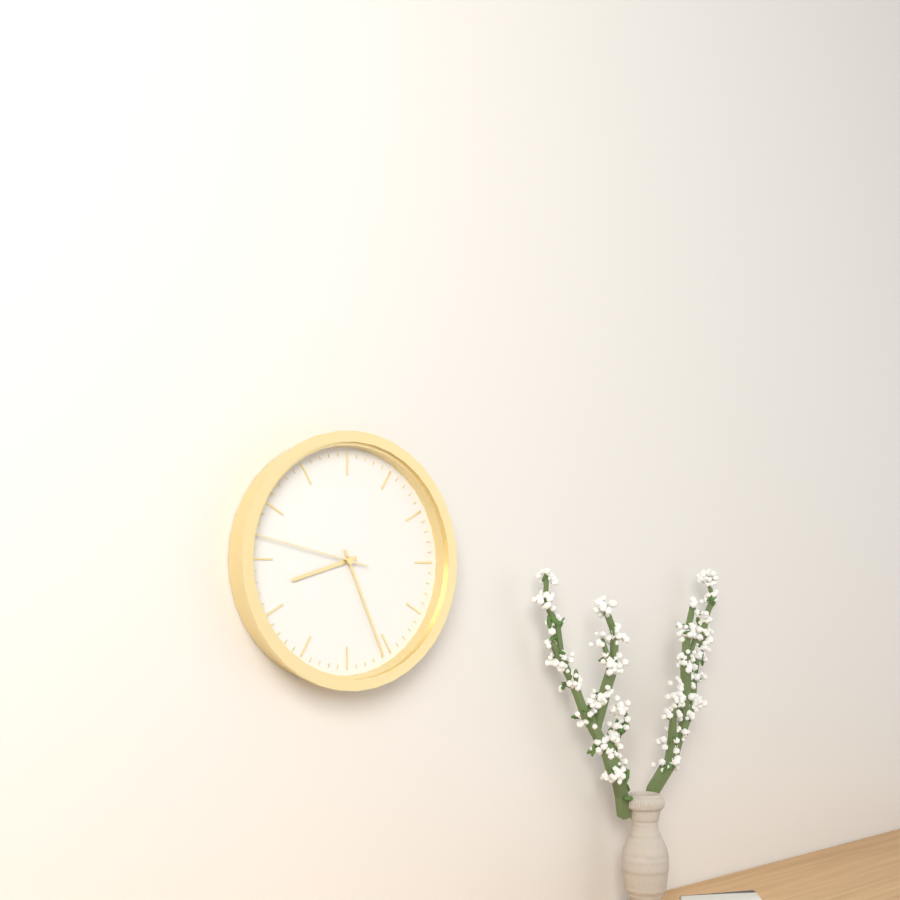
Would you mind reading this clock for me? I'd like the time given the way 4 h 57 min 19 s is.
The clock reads 8 h 26 min 47 s
